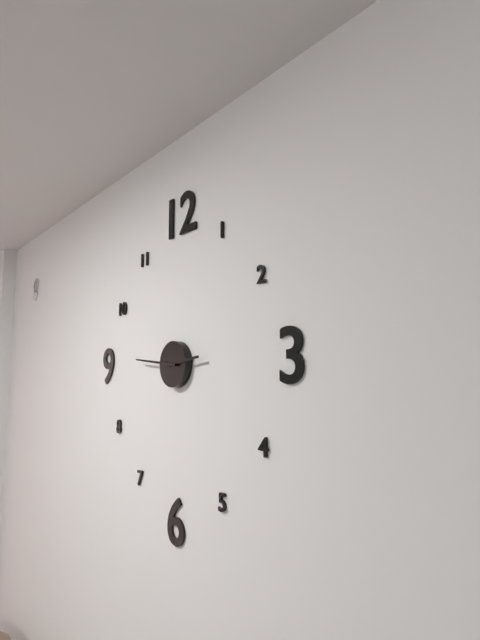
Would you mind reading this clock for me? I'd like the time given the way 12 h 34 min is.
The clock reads 2 h 46 min
